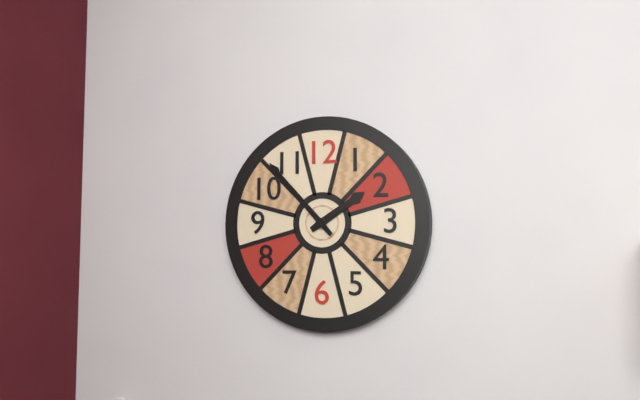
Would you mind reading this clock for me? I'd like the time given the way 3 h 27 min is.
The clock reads 1 h 53 min
